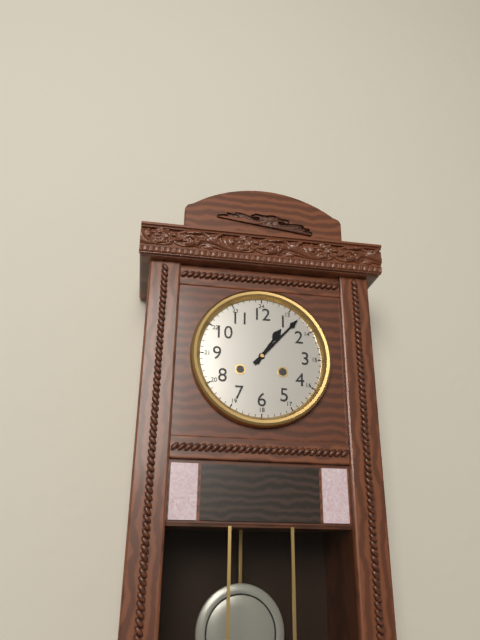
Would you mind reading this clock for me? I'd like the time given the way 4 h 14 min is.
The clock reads 1 h 07 min
